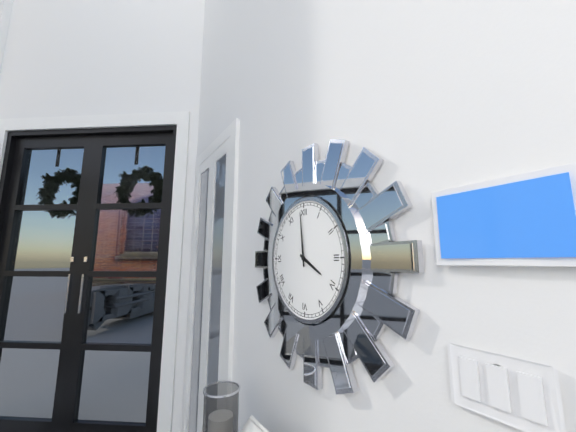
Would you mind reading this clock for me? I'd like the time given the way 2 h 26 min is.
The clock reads 3 h 59 min
